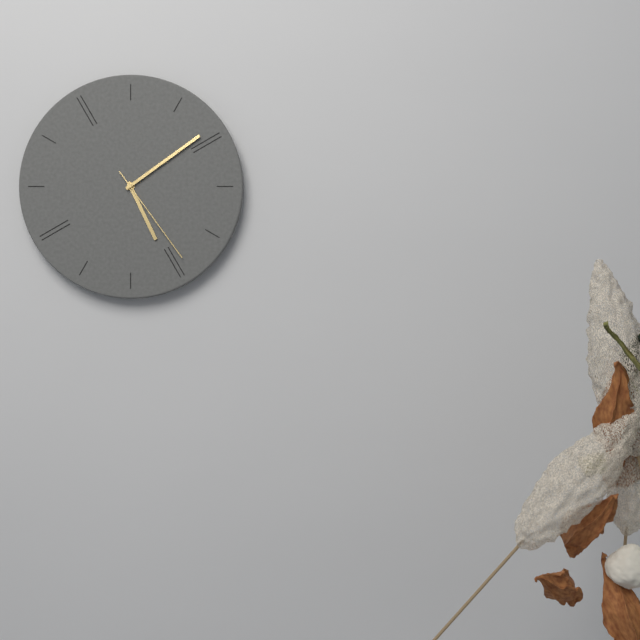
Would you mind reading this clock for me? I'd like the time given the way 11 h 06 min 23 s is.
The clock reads 5 h 09 min 24 s
